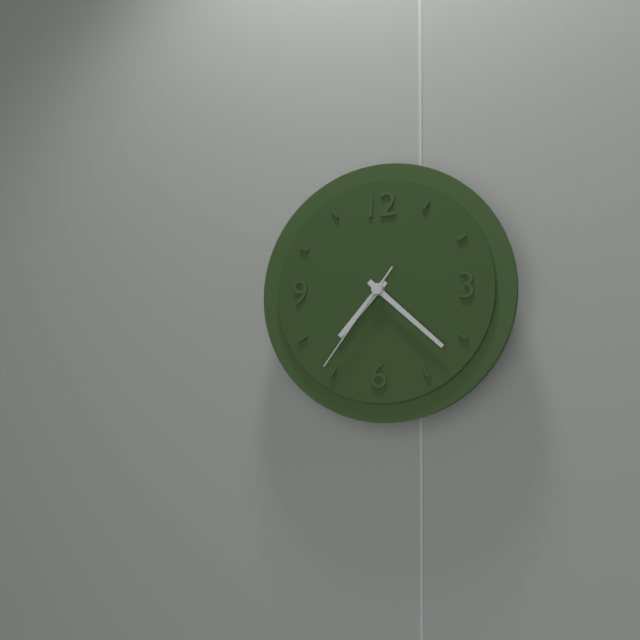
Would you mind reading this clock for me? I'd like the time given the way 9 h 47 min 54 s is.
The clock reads 7 h 22 min 36 s
